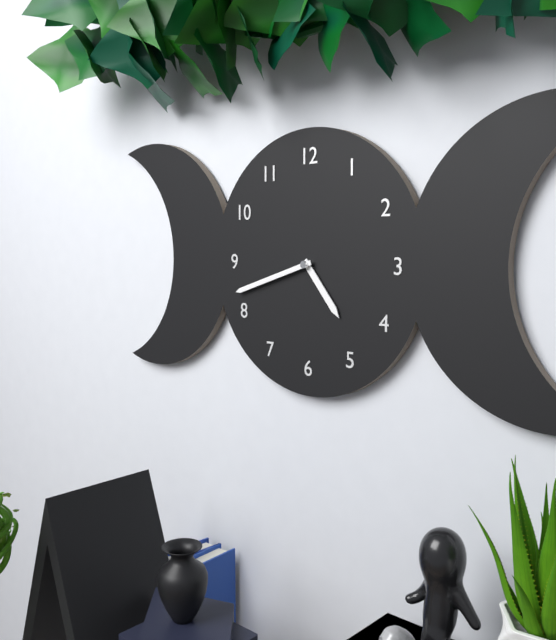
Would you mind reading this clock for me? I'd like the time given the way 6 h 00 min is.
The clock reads 4 h 42 min
